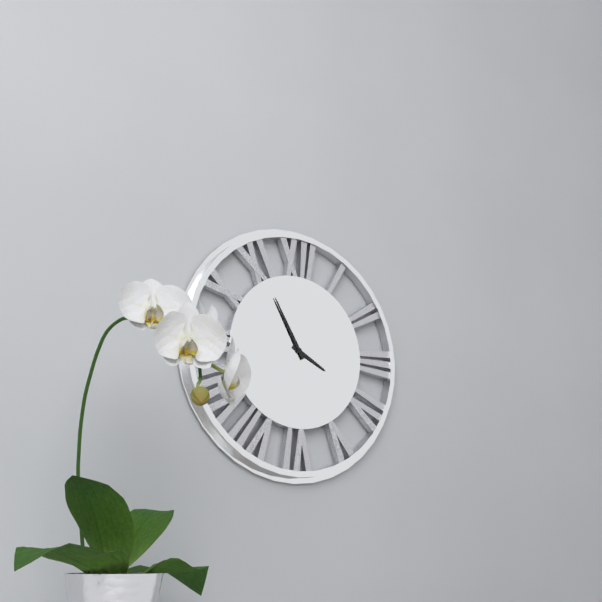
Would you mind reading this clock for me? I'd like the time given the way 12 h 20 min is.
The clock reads 3 h 55 min
